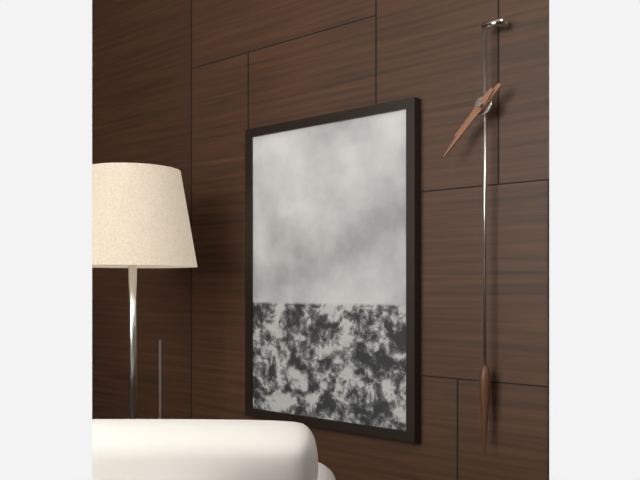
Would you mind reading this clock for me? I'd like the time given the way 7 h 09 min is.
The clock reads 7 h 37 min
